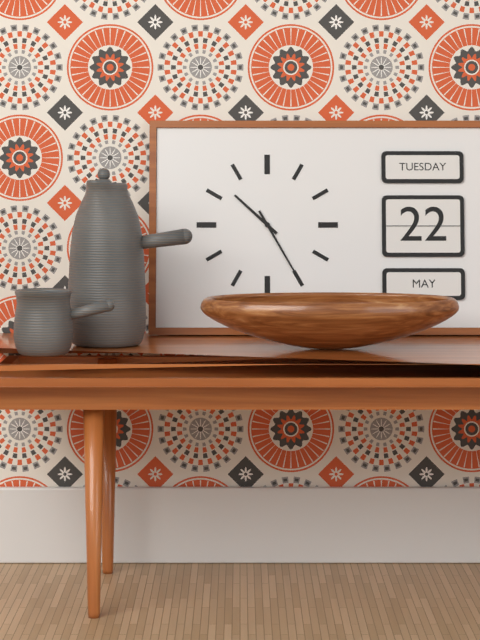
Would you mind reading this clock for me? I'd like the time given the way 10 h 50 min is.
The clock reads 10 h 25 min
